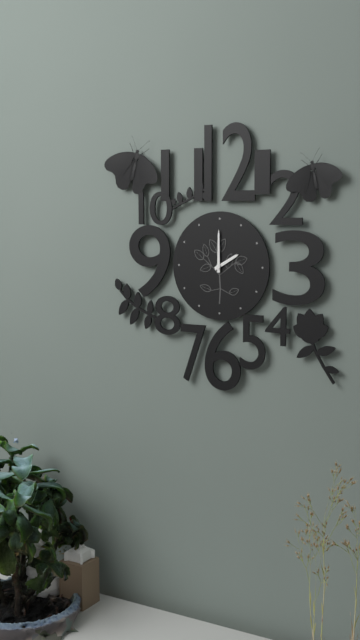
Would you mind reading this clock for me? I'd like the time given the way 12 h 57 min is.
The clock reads 2 h 00 min
